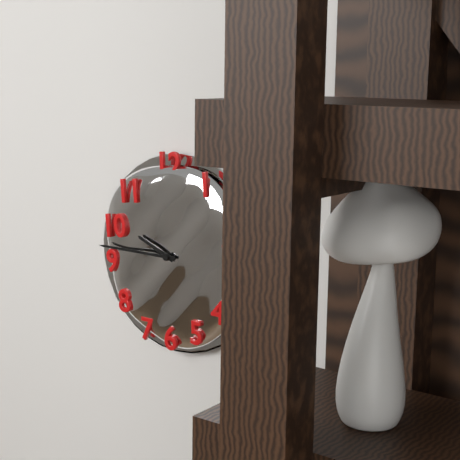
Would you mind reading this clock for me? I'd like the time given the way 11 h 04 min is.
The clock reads 9 h 45 min
